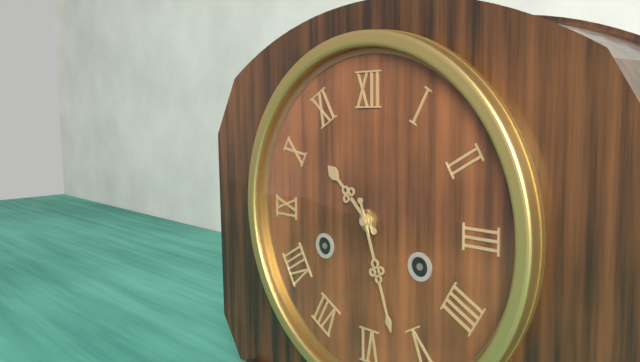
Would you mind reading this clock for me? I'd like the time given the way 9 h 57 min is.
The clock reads 10 h 27 min
